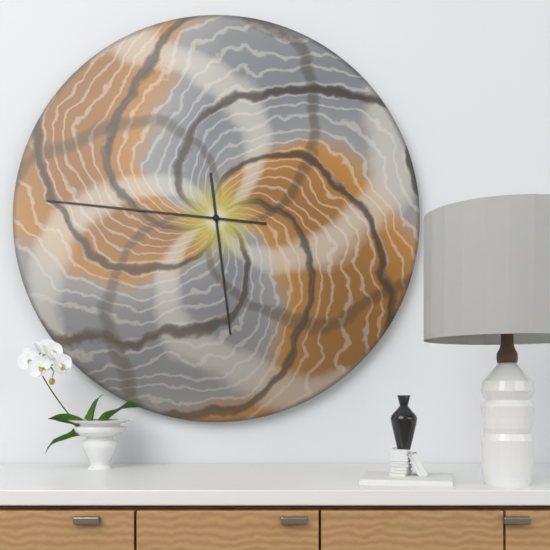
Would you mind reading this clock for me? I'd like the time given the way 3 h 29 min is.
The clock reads 5 h 46 min
